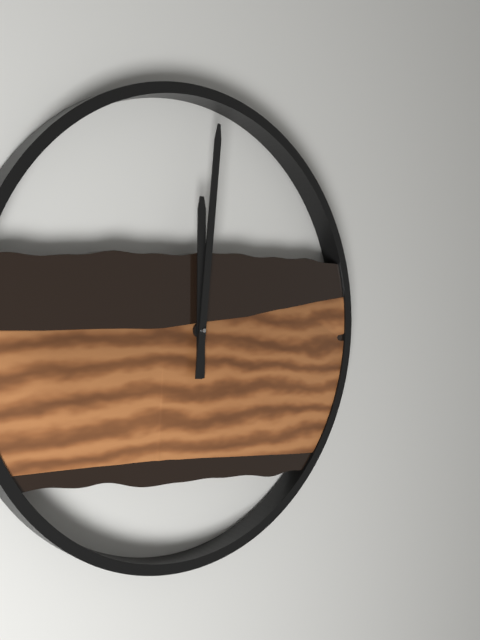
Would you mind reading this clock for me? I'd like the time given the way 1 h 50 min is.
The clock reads 12 h 01 min
